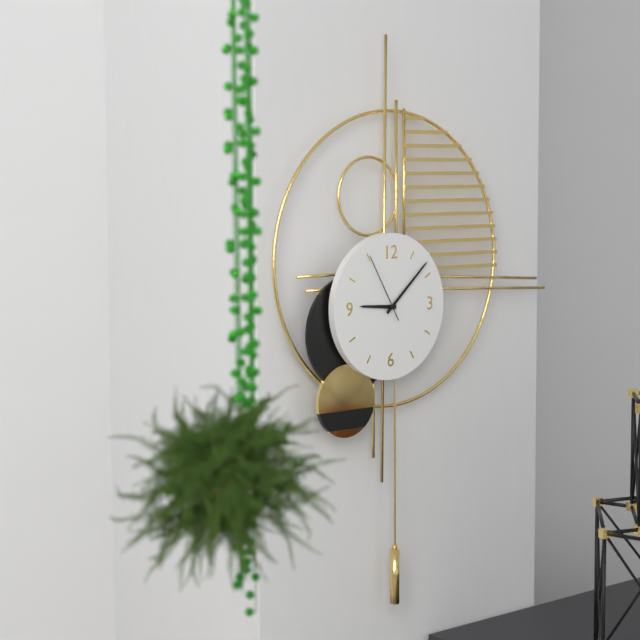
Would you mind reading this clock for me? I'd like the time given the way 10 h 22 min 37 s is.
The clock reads 9 h 08 min 55 s
